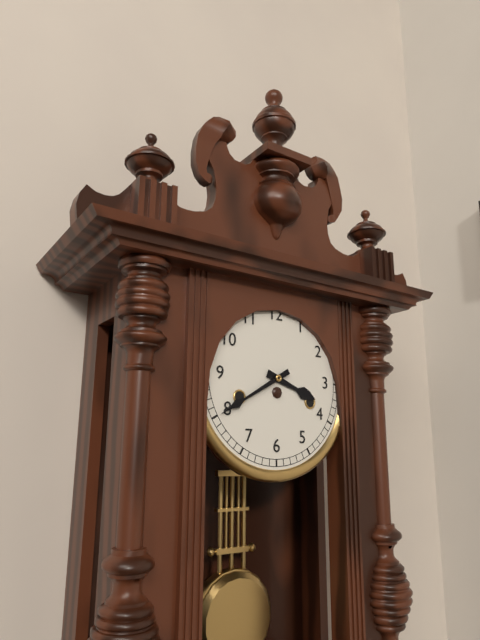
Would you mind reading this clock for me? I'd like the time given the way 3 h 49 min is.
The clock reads 3 h 40 min
